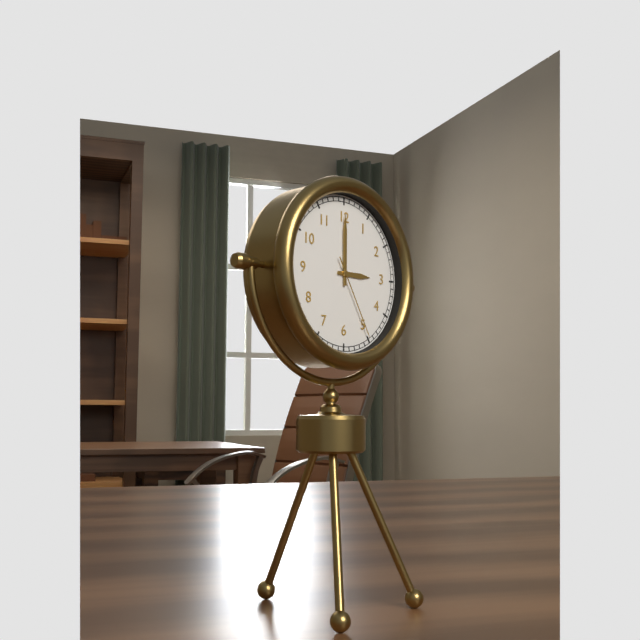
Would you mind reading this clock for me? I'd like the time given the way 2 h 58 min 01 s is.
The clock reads 3 h 00 min 25 s
